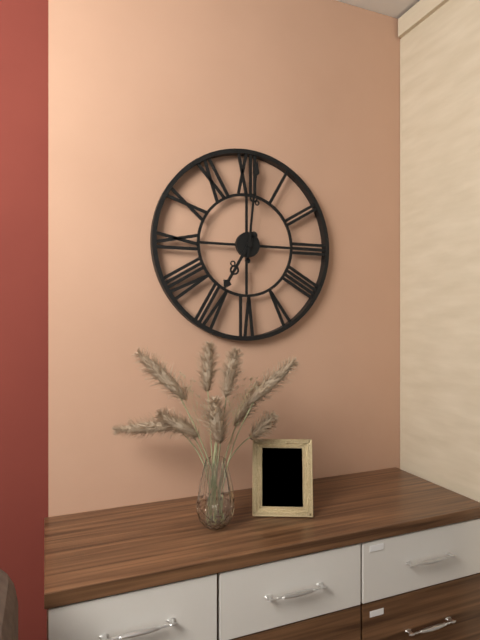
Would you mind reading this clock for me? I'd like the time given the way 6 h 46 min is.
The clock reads 7 h 01 min
